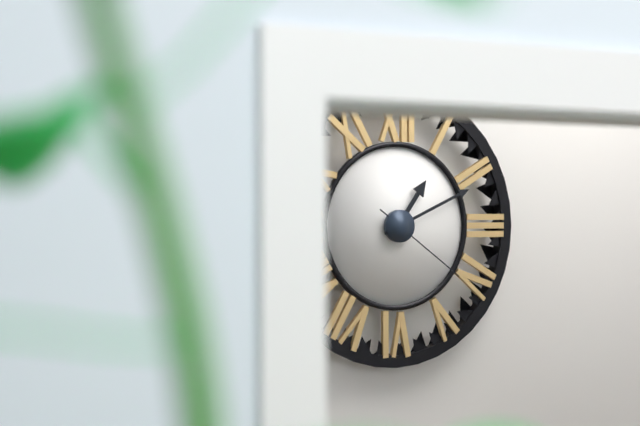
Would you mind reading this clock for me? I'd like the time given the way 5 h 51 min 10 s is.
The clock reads 1 h 11 min 21 s
